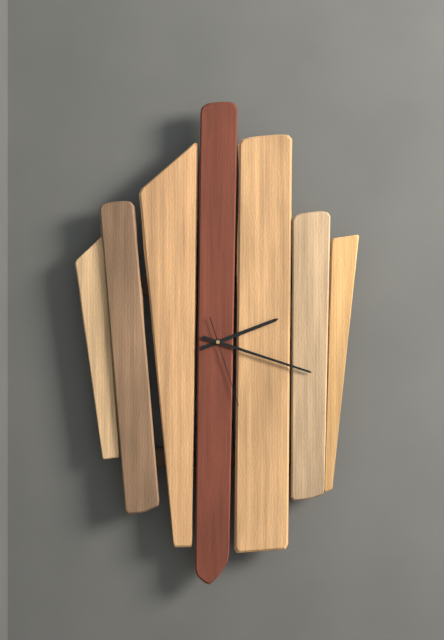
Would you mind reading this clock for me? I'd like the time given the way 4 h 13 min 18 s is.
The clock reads 2 h 18 min 27 s
